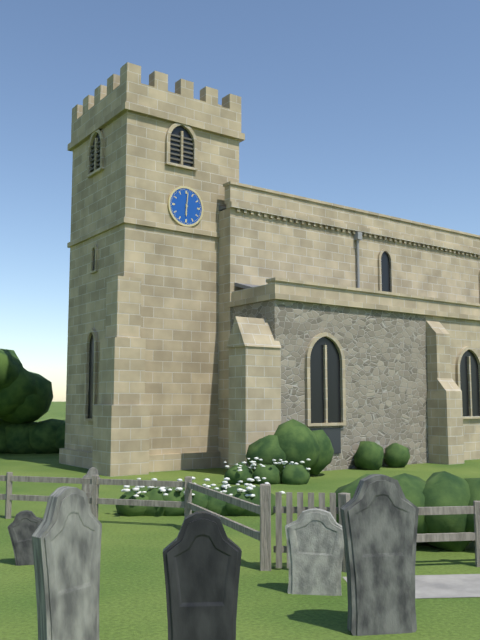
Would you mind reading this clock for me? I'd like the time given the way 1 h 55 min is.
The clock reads 6 h 01 min
